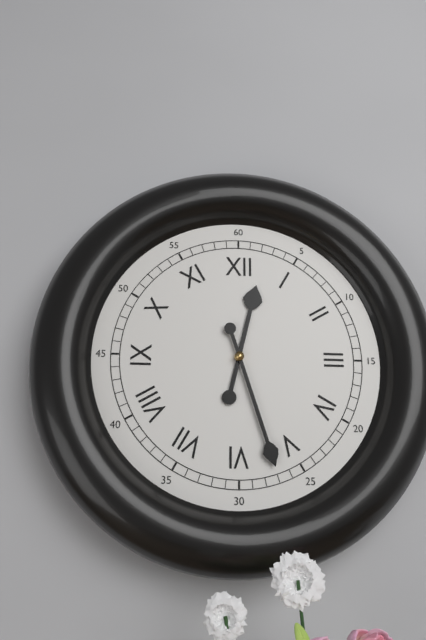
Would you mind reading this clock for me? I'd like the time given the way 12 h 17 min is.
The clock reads 12 h 27 min
